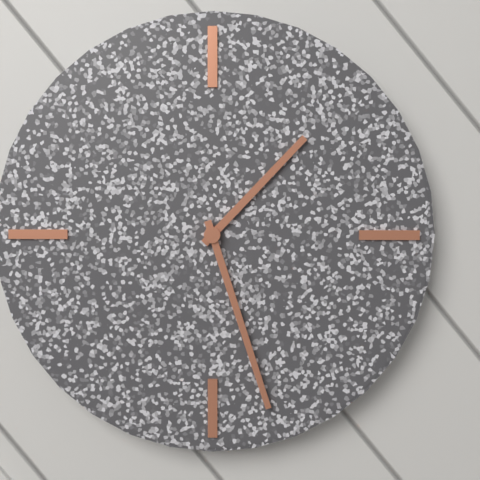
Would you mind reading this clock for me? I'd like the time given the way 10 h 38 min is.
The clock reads 1 h 27 min
